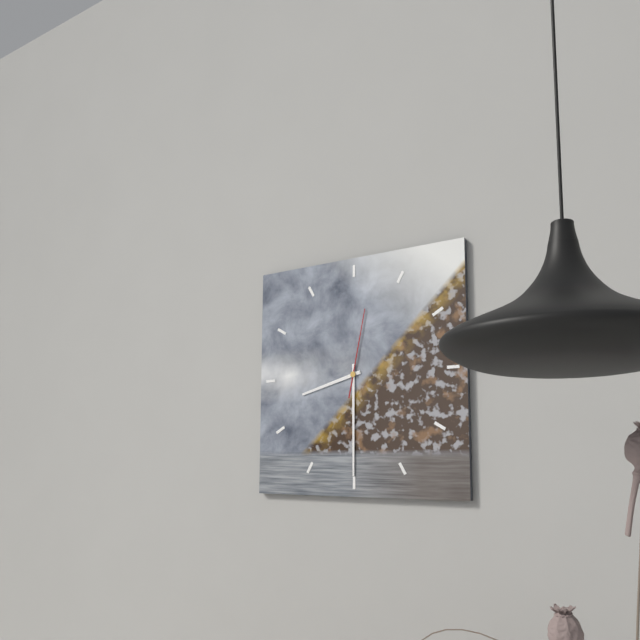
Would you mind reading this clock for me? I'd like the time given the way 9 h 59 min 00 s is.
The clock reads 8 h 30 min 02 s
